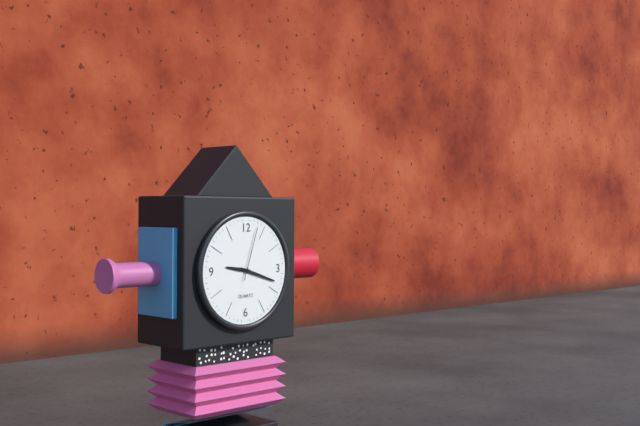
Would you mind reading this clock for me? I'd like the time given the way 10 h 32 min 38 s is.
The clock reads 9 h 18 min 03 s
